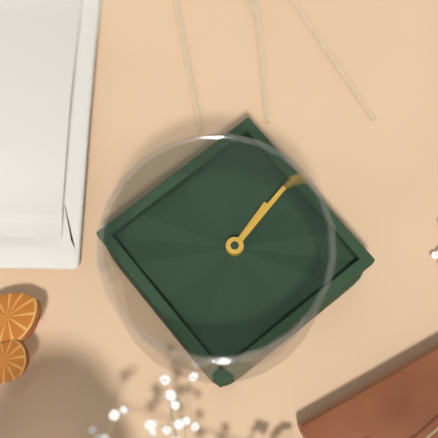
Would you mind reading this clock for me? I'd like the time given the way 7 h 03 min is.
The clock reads 5 h 28 min
